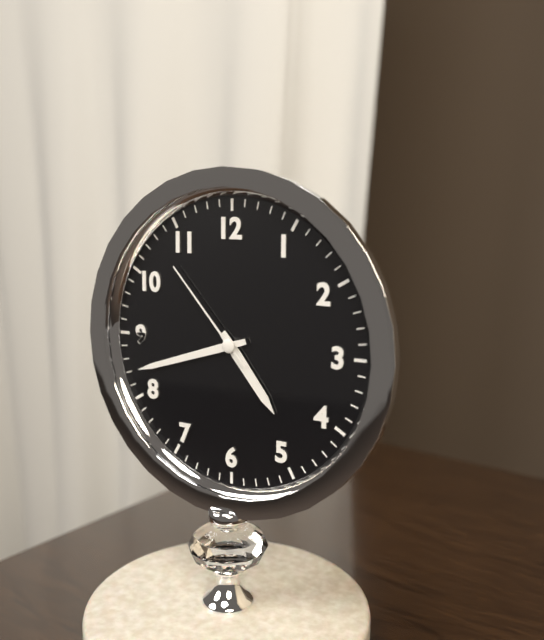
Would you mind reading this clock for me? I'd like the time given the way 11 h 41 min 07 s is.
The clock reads 4 h 42 min 53 s
